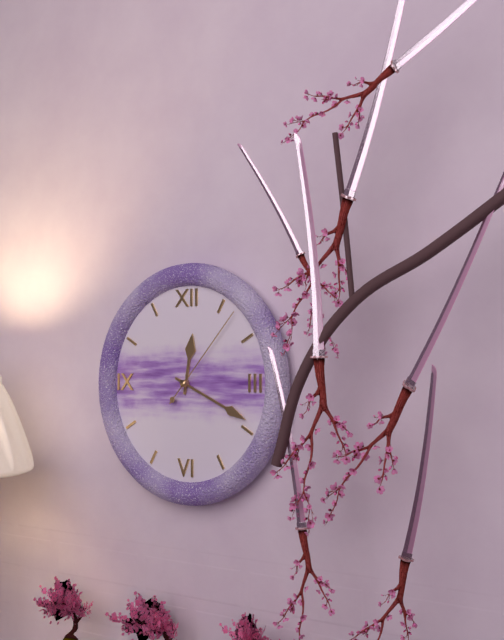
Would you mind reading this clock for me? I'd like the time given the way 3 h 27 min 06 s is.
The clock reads 12 h 19 min 07 s
